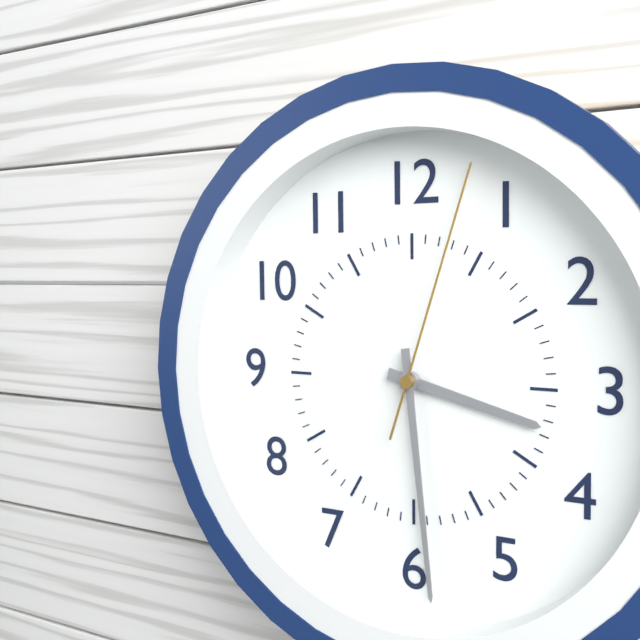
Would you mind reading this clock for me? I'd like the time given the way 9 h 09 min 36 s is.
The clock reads 3 h 29 min 03 s
